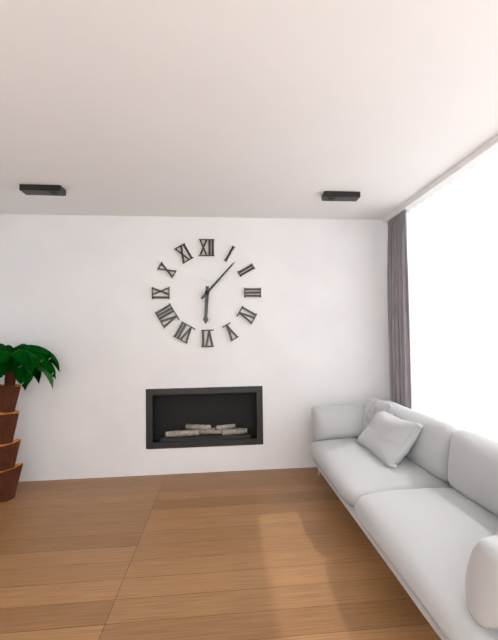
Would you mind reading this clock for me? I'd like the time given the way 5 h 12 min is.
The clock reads 6 h 07 min
